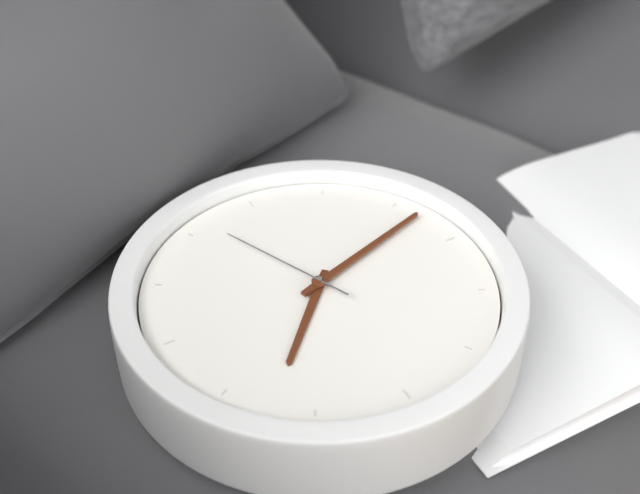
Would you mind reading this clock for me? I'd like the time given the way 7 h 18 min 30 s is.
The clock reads 10 h 27 min 11 s
